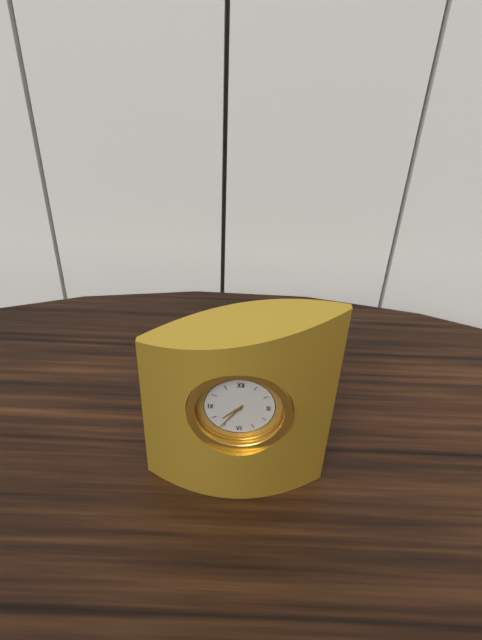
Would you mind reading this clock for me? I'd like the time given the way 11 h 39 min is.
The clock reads 7 h 36 min
